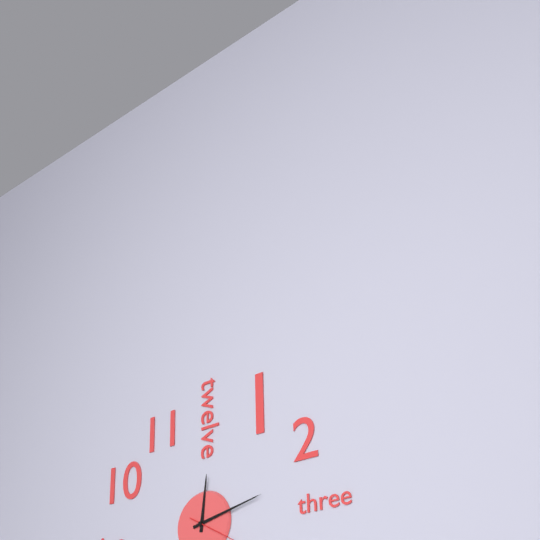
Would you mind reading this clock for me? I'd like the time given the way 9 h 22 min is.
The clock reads 12 h 13 min
